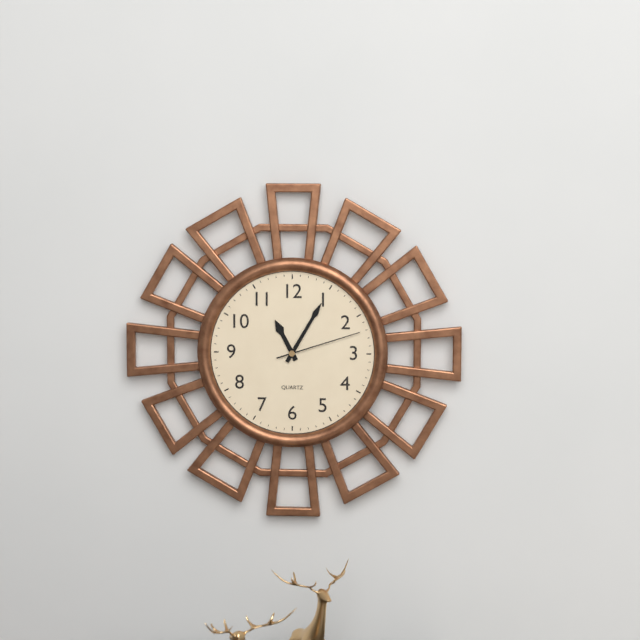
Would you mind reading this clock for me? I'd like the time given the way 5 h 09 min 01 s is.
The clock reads 11 h 05 min 12 s
